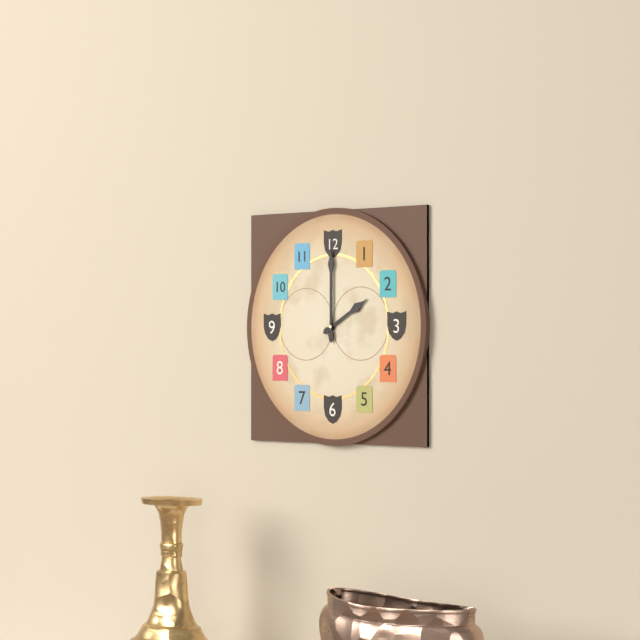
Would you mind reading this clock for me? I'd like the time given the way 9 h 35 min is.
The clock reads 2 h 00 min
